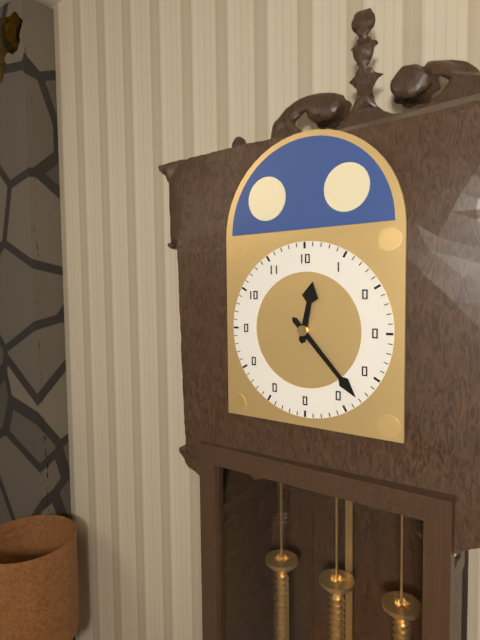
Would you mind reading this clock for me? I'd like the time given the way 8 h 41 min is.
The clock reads 12 h 23 min
